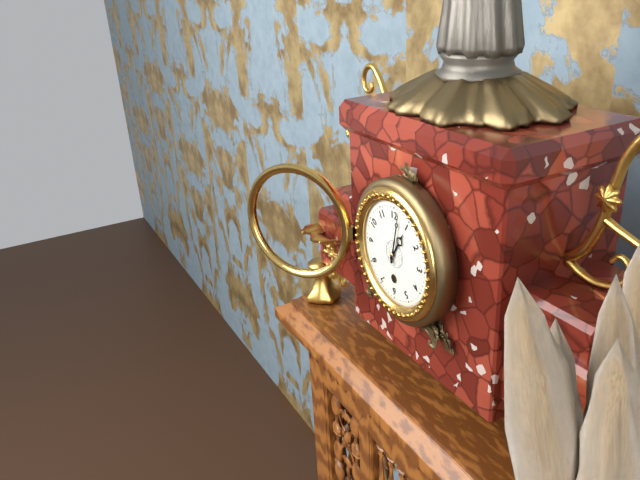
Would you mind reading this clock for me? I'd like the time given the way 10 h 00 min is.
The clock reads 1 h 02 min
